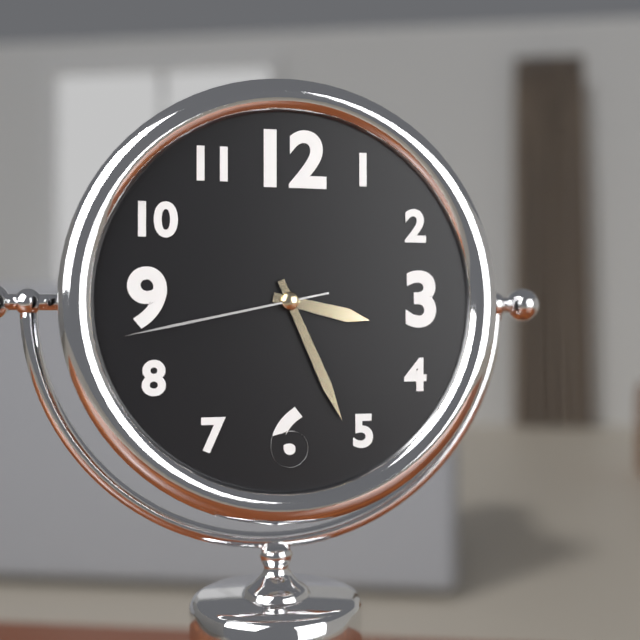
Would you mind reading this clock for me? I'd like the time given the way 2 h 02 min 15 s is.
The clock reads 3 h 26 min 43 s
